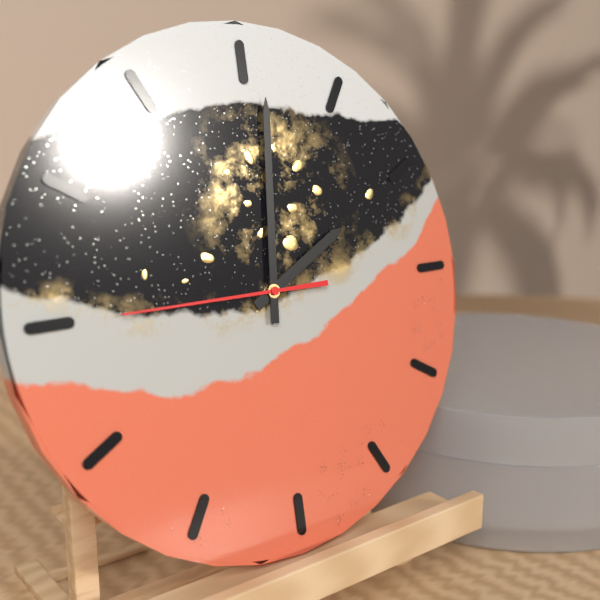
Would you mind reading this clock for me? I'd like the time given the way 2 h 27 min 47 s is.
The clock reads 2 h 01 min 45 s
